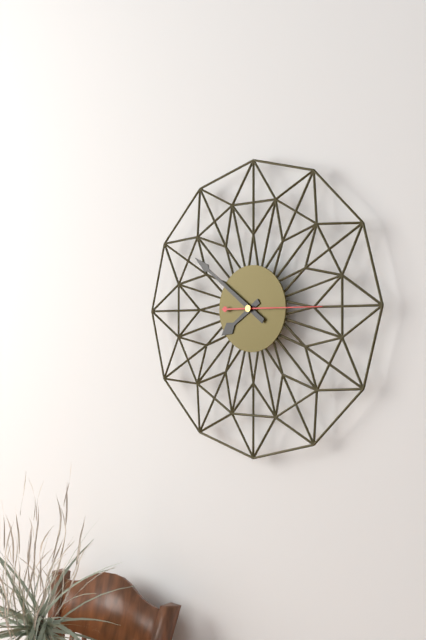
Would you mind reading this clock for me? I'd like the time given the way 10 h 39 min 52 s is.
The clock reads 7 h 51 min 15 s
